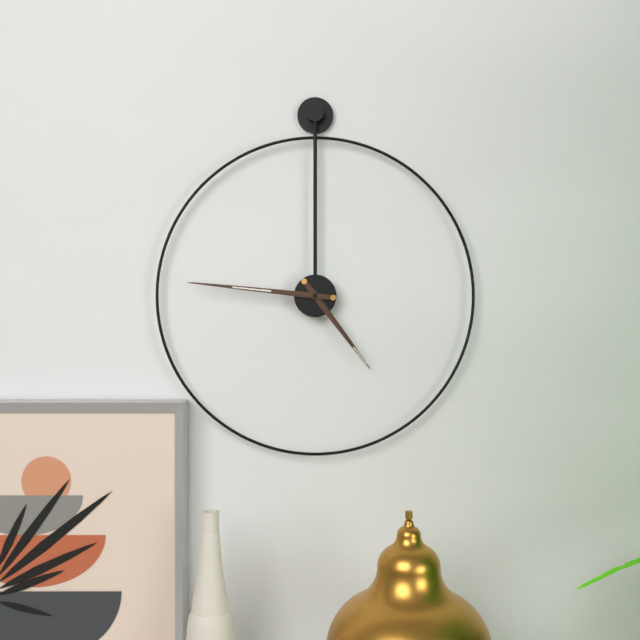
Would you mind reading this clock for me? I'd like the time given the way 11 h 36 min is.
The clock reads 4 h 46 min
